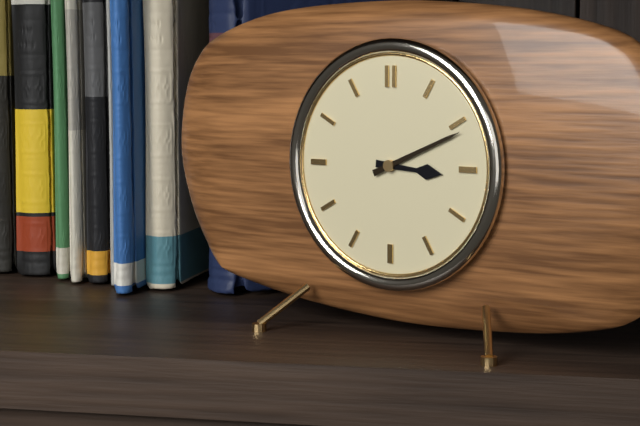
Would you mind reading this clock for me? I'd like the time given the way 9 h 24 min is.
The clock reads 3 h 11 min
